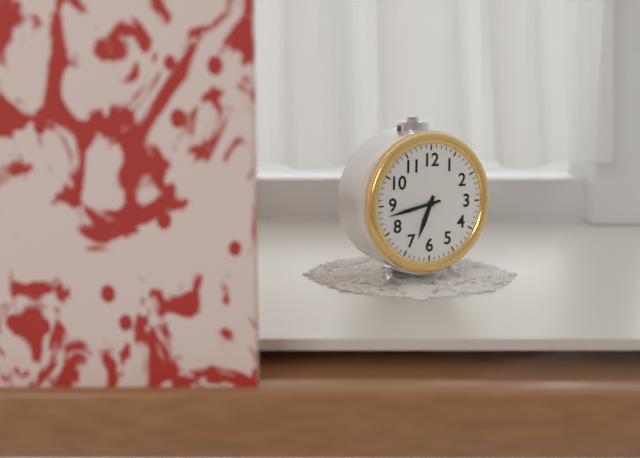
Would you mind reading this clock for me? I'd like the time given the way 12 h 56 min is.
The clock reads 6 h 43 min
